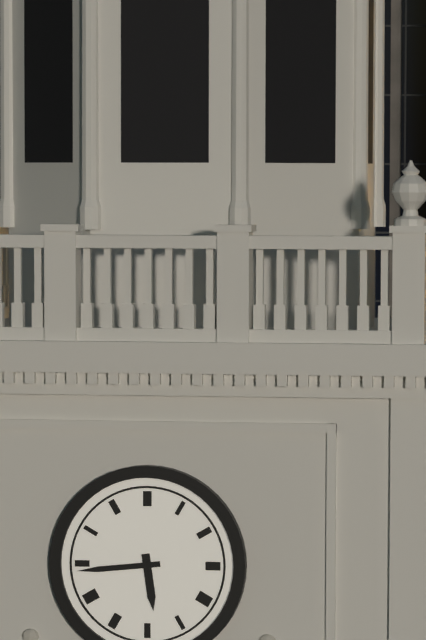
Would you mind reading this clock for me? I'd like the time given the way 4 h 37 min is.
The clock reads 5 h 44 min
